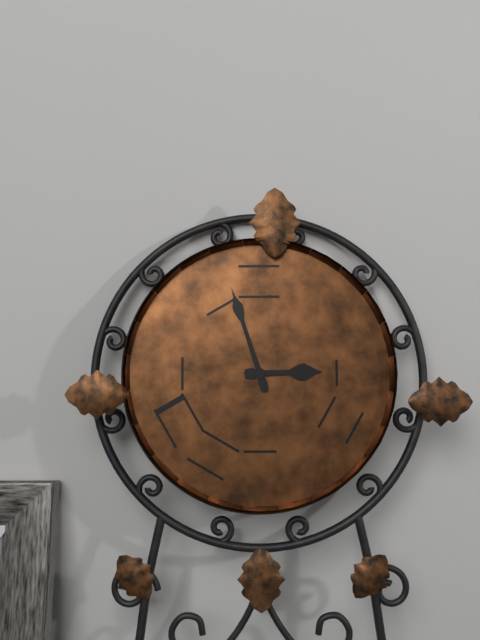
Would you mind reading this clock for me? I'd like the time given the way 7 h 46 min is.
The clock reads 2 h 57 min
